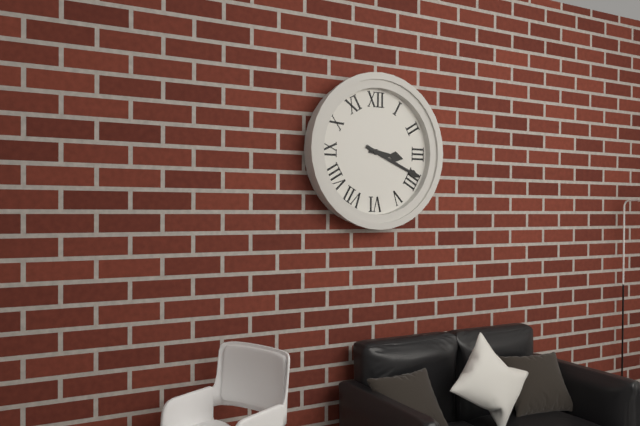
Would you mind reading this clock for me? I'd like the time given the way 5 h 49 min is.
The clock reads 3 h 19 min
